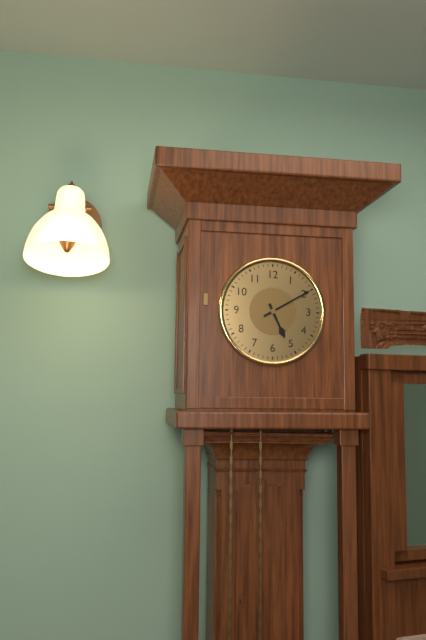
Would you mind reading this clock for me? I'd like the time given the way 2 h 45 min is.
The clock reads 5 h 10 min
